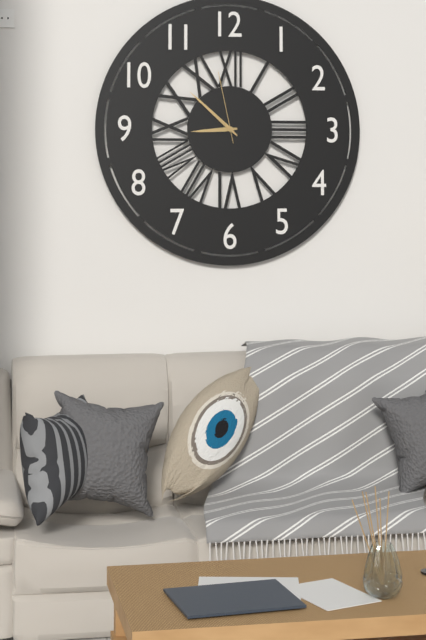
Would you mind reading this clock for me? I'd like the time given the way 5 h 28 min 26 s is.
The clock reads 8 h 52 min 58 s
